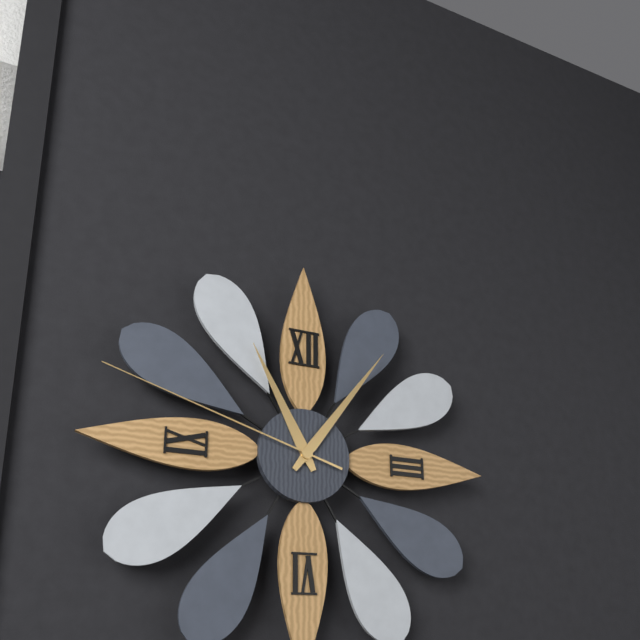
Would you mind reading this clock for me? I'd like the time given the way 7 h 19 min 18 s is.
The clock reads 11 h 06 min 48 s
